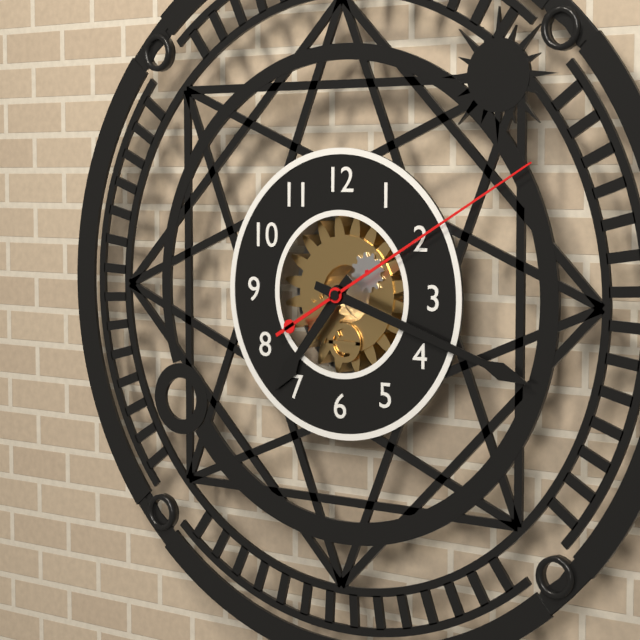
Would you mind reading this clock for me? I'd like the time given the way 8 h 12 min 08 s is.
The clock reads 7 h 18 min 10 s
